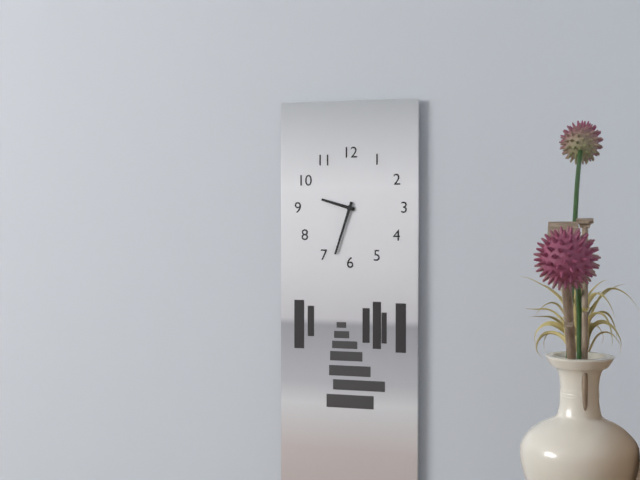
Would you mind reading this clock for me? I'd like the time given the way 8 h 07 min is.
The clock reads 9 h 33 min
